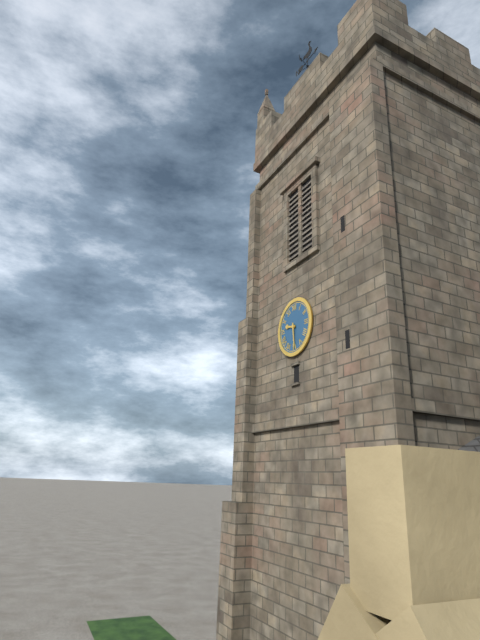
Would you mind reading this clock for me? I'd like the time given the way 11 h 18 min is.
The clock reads 9 h 29 min
